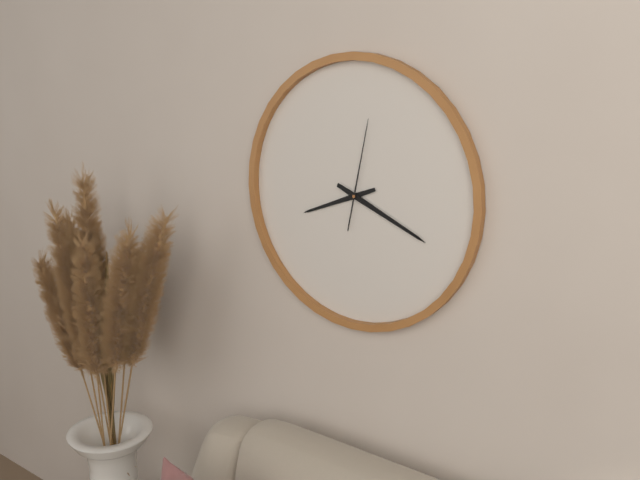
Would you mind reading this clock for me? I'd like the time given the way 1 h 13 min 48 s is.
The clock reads 8 h 19 min 02 s
